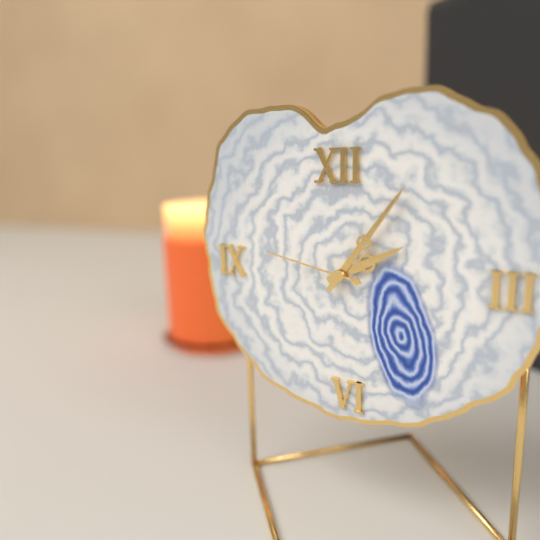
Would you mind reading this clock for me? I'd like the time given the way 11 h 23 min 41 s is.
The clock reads 2 h 06 min 47 s
